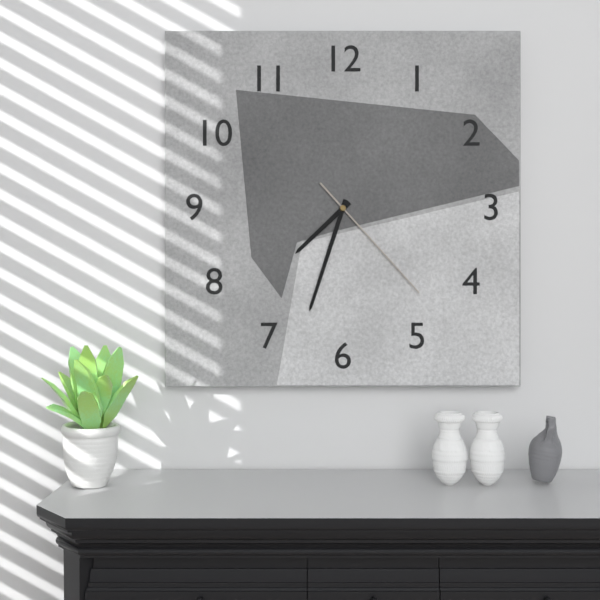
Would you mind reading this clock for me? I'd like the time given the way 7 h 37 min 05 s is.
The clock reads 7 h 33 min 23 s
